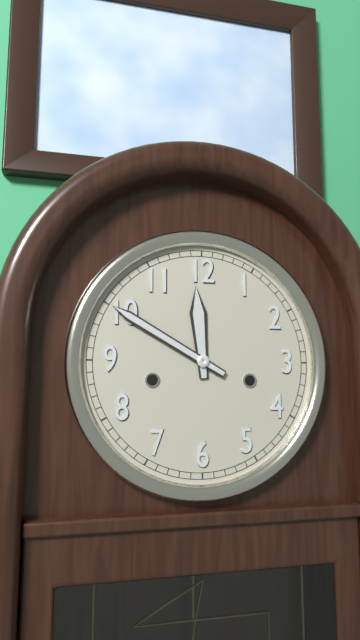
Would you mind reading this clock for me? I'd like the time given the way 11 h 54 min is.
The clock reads 11 h 50 min
